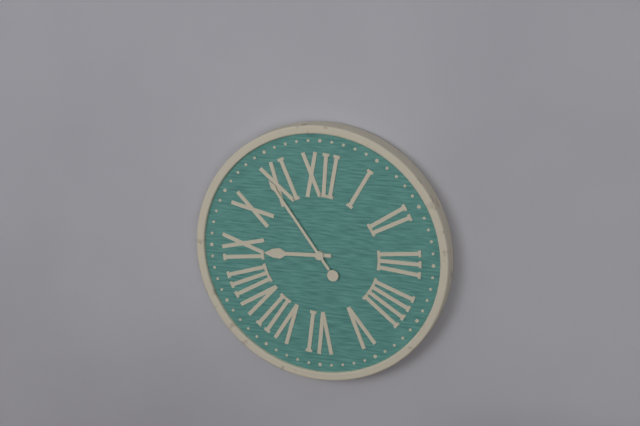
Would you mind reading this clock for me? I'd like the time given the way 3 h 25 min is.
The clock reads 8 h 54 min
